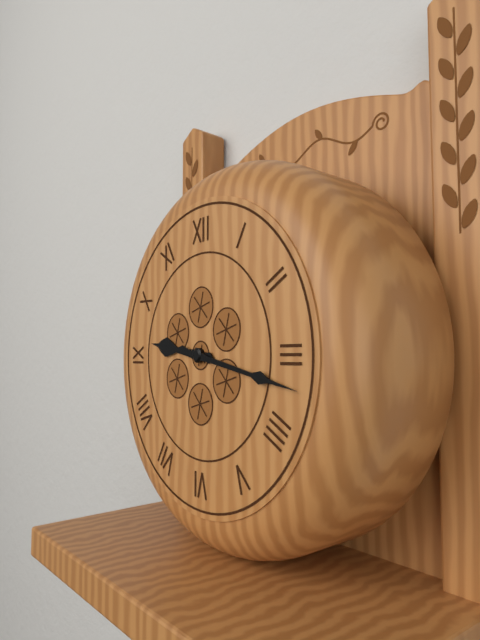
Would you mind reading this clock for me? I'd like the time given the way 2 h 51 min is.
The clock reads 9 h 17 min
